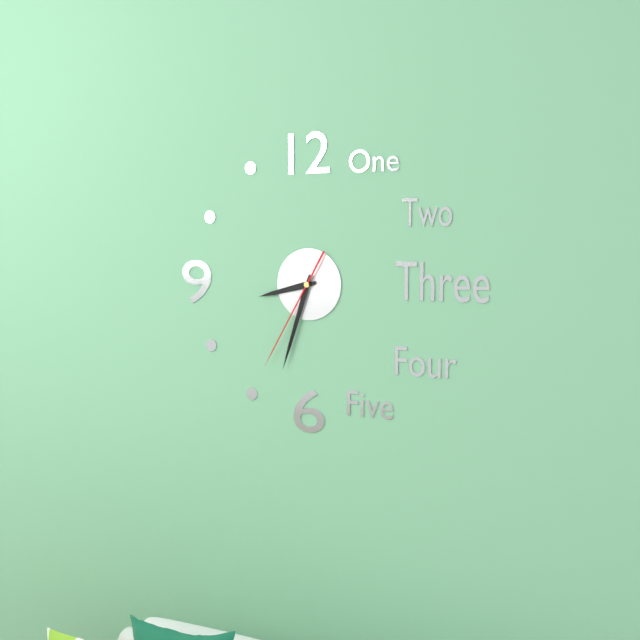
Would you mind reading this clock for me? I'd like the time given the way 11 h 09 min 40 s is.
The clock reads 8 h 33 min 35 s
